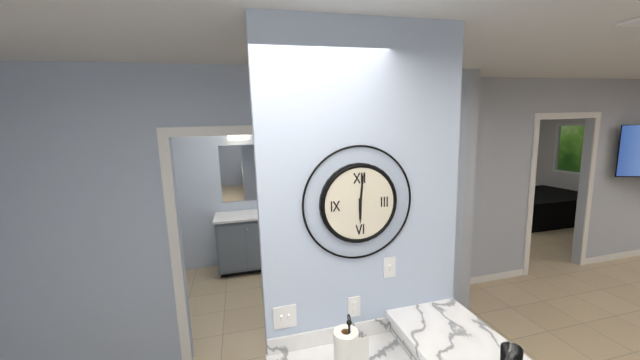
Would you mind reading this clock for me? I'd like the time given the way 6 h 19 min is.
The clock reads 6 h 01 min
